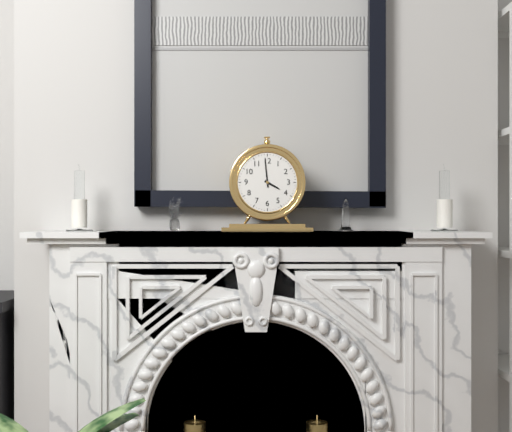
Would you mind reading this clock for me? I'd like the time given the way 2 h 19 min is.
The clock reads 3 h 59 min
